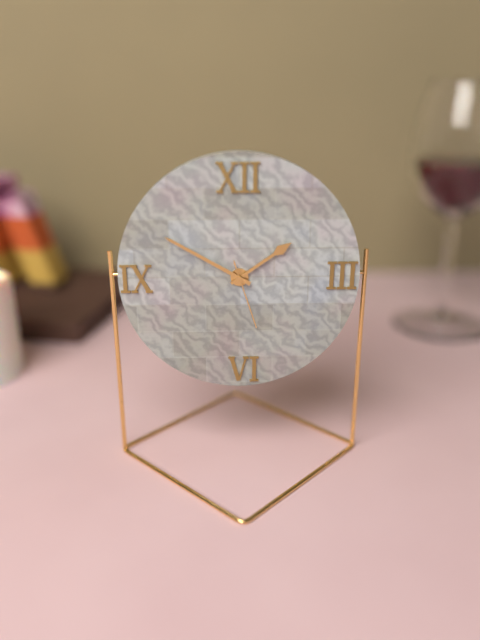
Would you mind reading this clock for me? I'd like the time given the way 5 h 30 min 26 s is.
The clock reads 1 h 50 min 27 s
